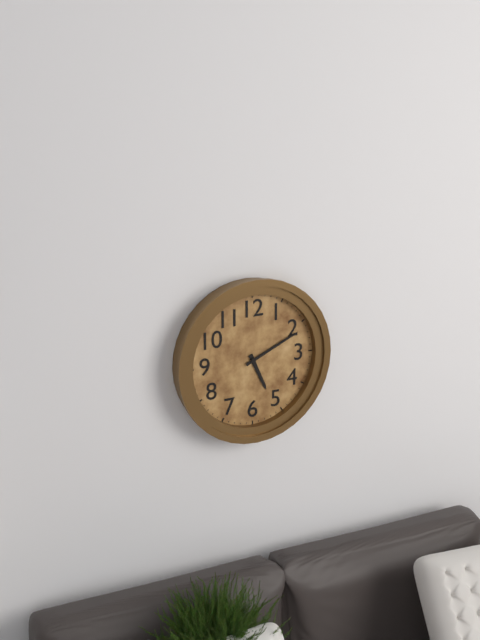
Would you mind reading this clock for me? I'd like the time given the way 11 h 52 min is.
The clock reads 5 h 11 min
